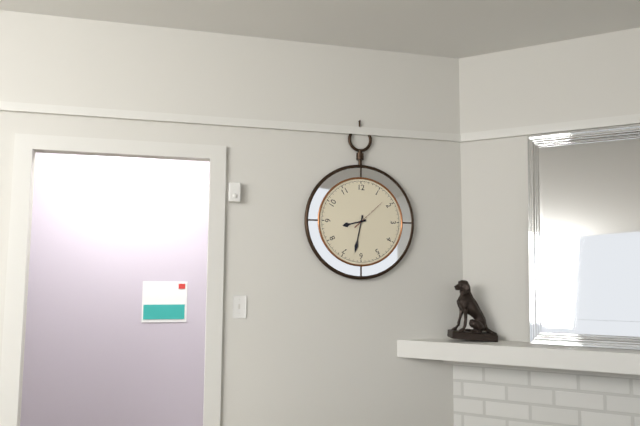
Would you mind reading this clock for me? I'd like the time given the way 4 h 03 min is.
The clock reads 8 h 32 min
